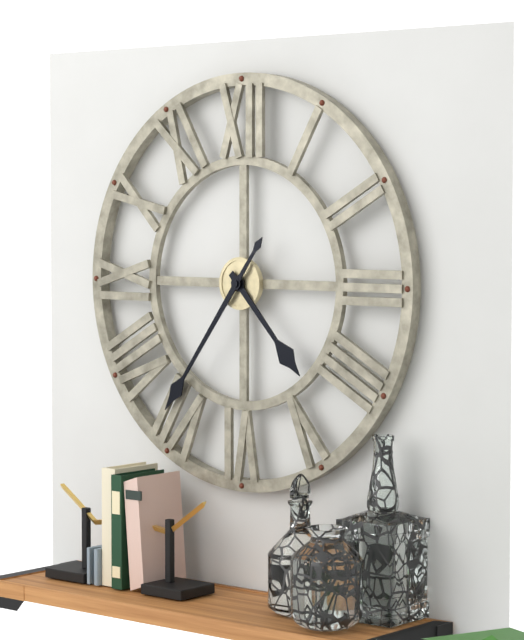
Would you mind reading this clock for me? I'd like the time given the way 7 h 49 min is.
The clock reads 4 h 36 min
